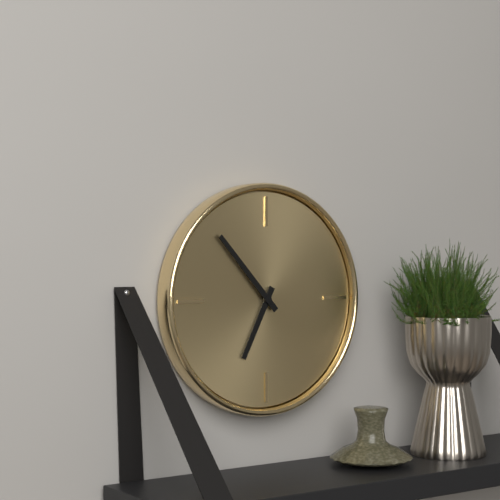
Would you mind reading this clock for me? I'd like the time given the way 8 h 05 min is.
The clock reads 6 h 53 min
